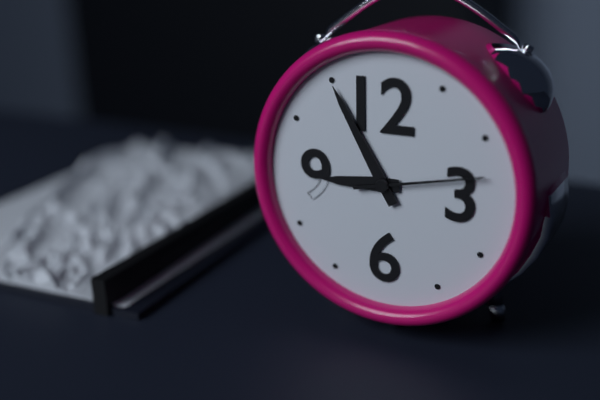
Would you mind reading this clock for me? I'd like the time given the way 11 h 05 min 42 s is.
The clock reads 8 h 55 min 13 s
